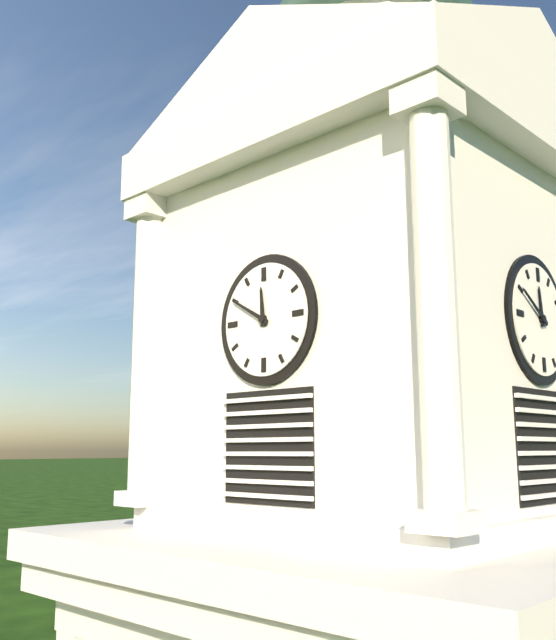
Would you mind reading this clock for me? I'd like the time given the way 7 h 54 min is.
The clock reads 11 h 50 min
